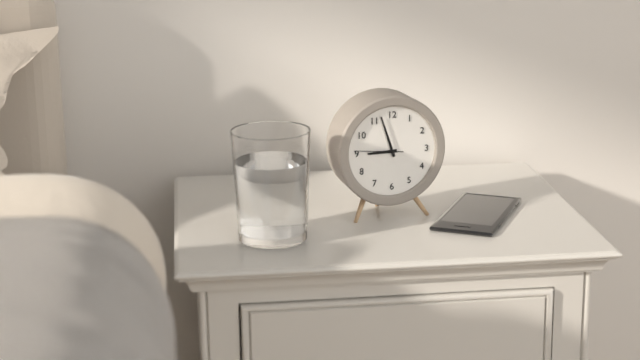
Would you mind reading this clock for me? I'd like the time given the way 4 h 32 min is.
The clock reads 8 h 57 min
